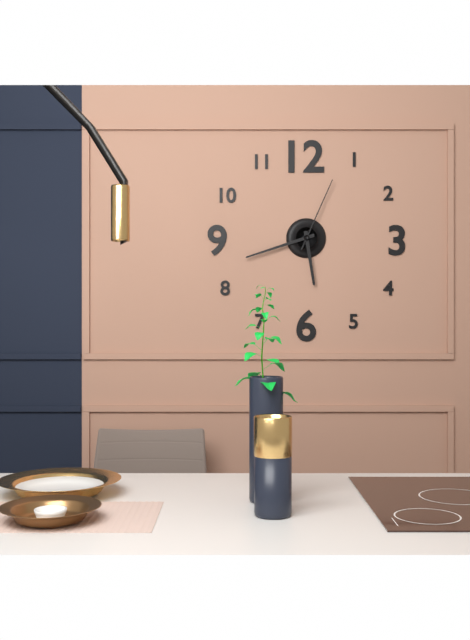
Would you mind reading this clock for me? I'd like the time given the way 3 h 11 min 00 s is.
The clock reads 5 h 42 min 04 s
